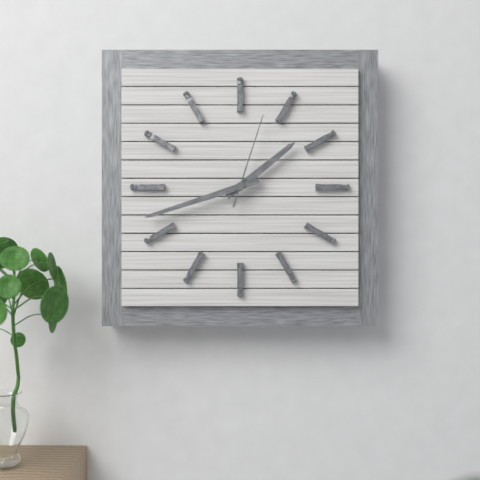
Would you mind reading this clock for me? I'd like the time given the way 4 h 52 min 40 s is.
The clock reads 1 h 42 min 03 s
